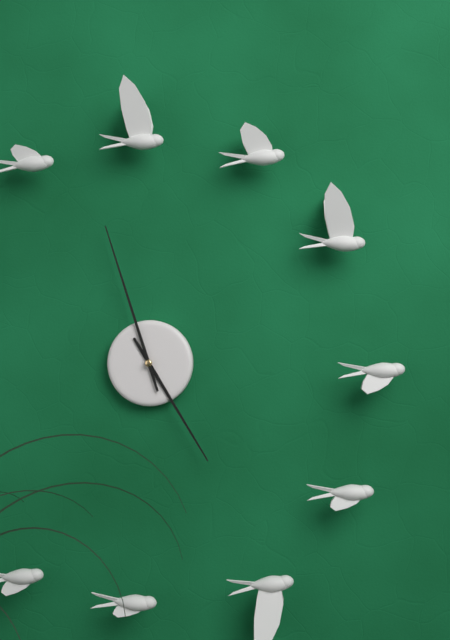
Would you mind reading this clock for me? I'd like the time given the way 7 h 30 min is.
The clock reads 4 h 57 min
